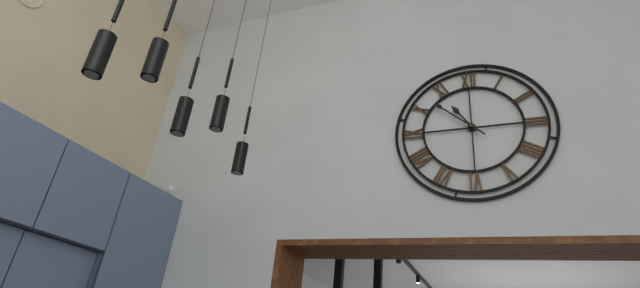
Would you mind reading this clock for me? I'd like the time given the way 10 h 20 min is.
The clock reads 10 h 52 min
